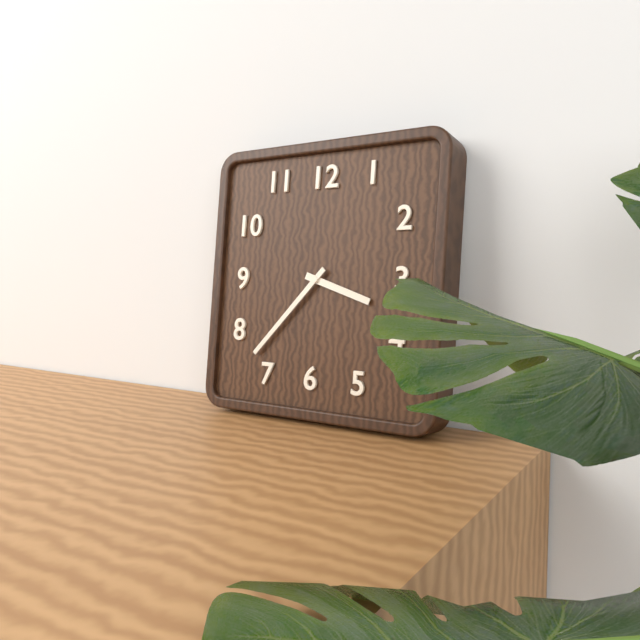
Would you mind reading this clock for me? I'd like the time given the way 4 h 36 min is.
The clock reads 3 h 37 min
